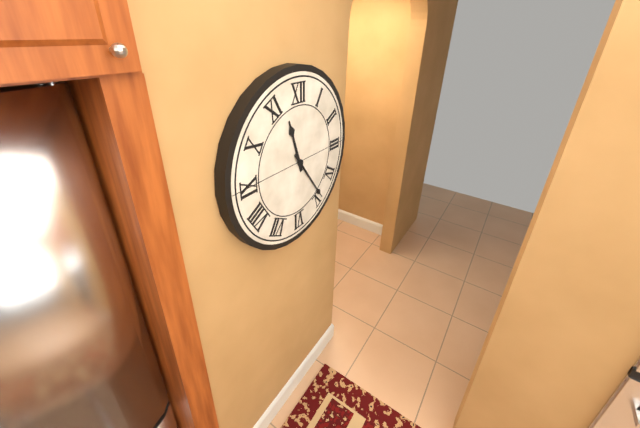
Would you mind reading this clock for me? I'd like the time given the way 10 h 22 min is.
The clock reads 11 h 24 min
